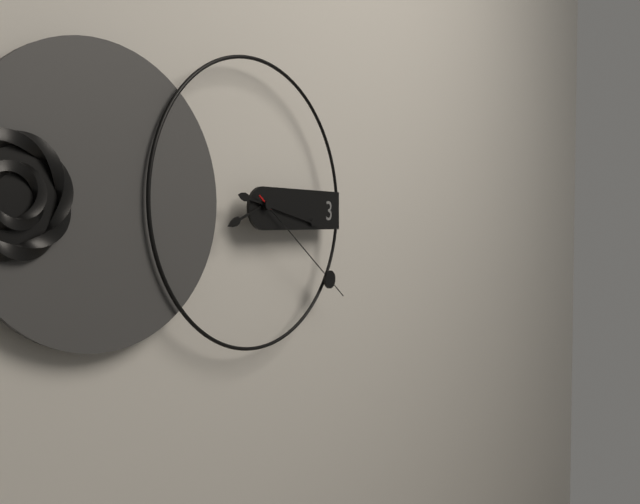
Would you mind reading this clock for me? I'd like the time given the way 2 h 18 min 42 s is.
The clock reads 8 h 17 min 21 s
